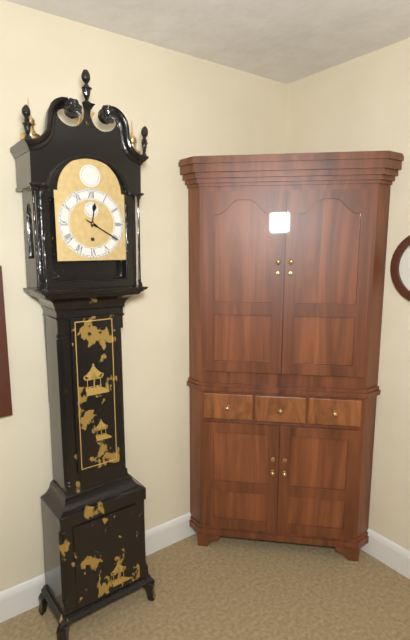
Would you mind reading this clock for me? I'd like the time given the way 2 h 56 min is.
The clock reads 12 h 20 min
